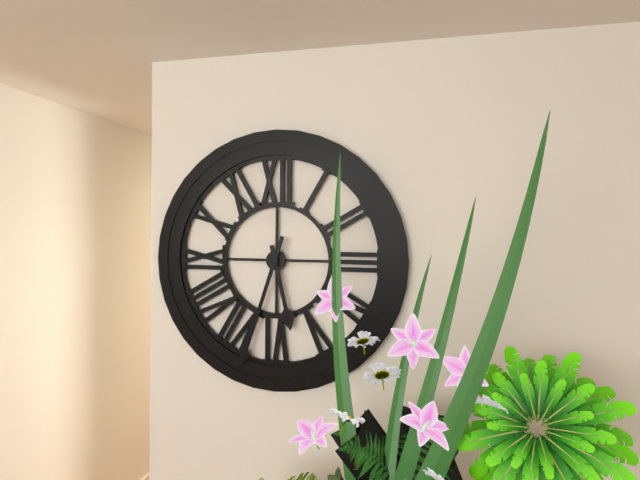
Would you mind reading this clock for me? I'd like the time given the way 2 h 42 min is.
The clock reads 5 h 33 min
